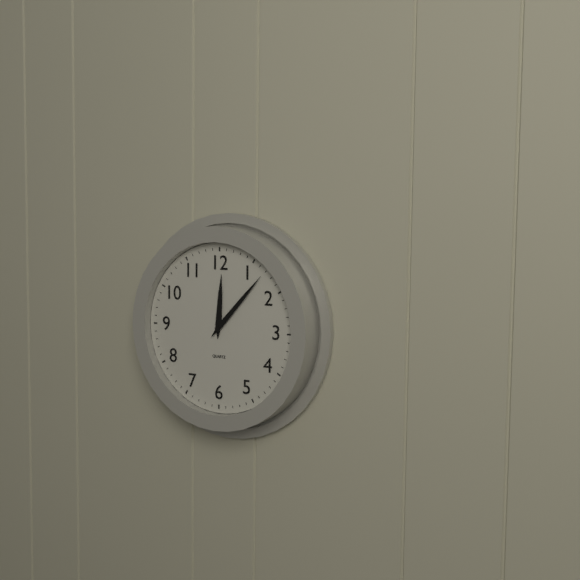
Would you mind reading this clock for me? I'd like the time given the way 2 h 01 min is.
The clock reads 12 h 07 min
